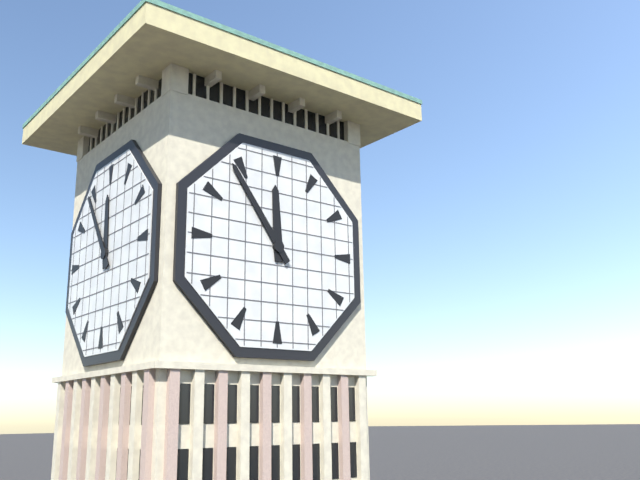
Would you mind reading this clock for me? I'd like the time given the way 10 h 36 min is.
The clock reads 11 h 54 min
